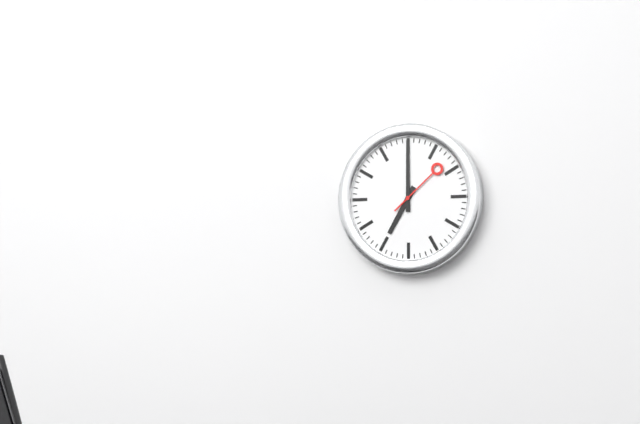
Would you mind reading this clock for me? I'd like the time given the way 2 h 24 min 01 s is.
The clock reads 7 h 00 min 08 s
